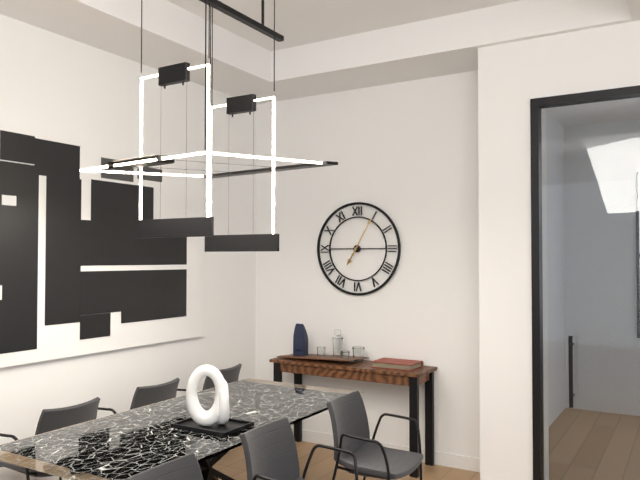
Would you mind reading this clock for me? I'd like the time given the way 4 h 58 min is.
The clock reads 7 h 05 min
